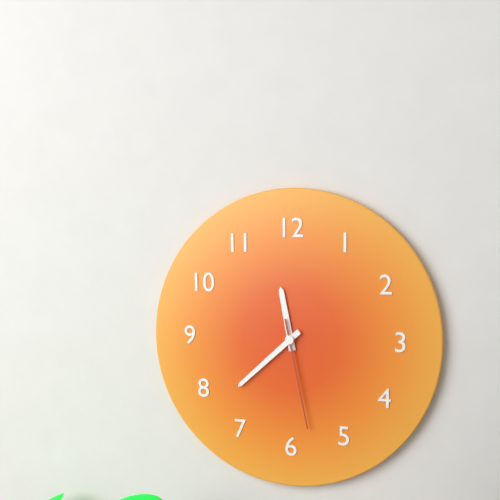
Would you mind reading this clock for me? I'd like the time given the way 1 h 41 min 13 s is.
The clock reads 11 h 38 min 28 s
